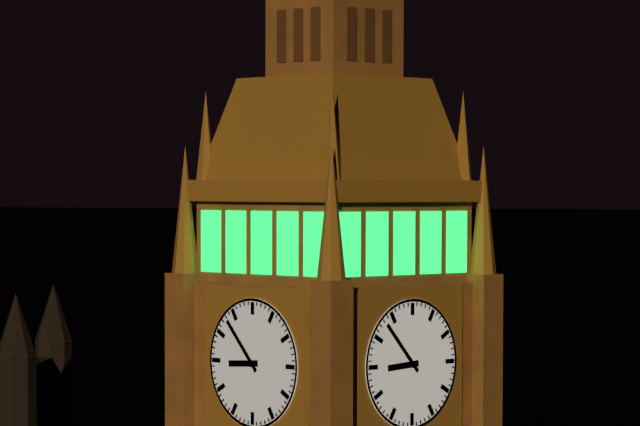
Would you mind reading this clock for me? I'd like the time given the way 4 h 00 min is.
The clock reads 8 h 53 min
